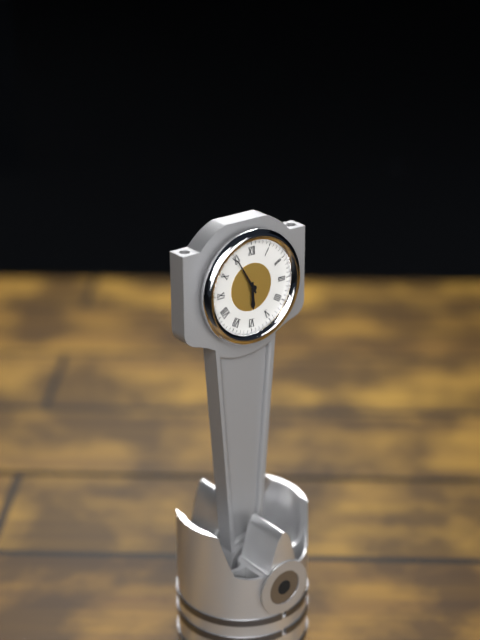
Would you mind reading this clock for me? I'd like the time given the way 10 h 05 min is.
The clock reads 5 h 55 min
